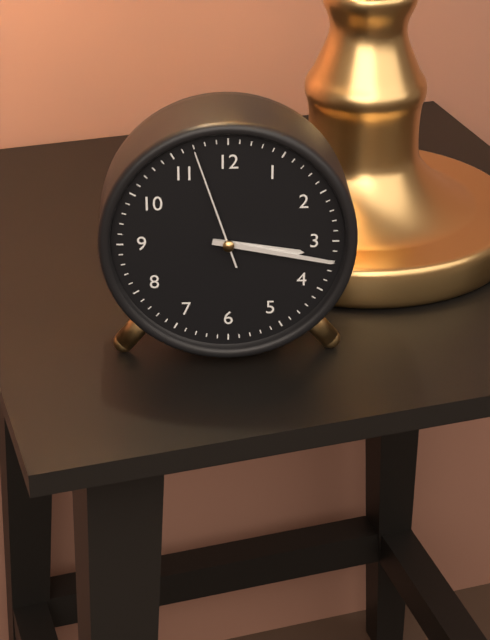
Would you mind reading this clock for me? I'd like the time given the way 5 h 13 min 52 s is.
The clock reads 3 h 17 min 57 s
